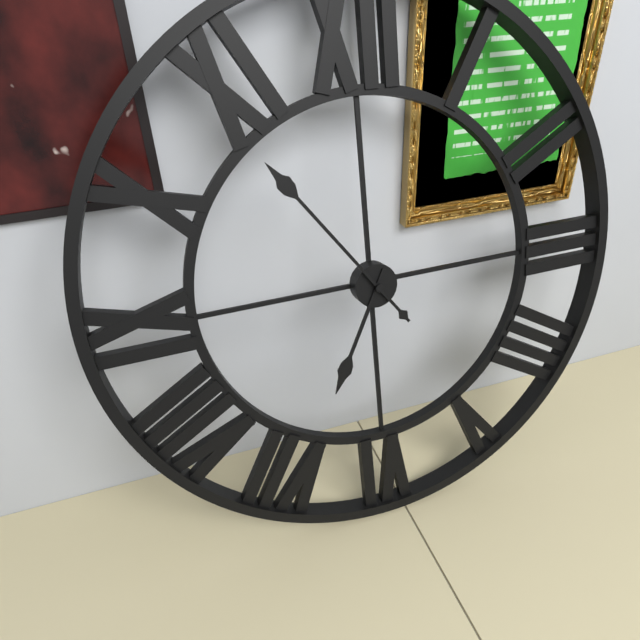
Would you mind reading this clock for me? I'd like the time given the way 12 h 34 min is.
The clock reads 6 h 54 min
